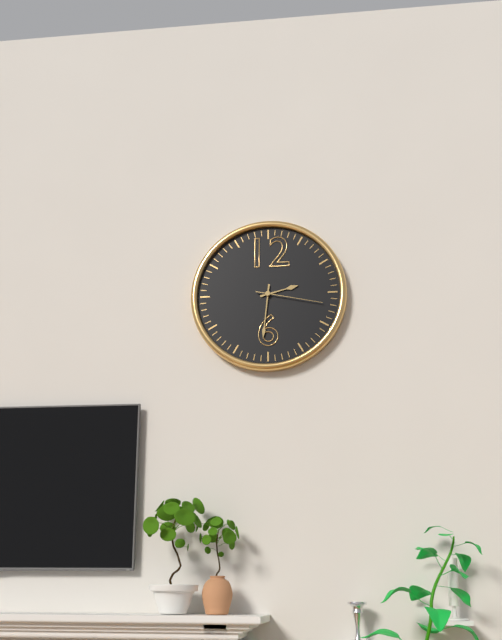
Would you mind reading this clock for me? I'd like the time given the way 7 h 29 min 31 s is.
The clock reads 2 h 31 min 17 s
